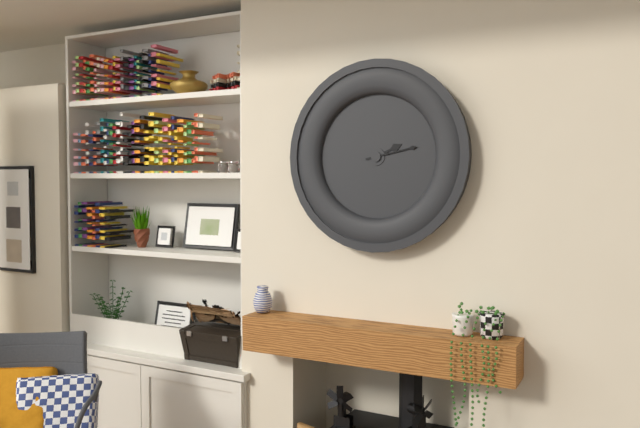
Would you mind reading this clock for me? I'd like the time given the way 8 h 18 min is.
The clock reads 2 h 13 min
